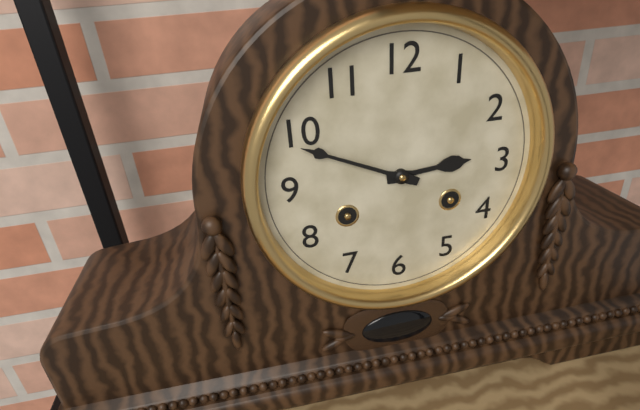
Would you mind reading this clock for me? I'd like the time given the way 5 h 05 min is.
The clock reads 2 h 49 min
